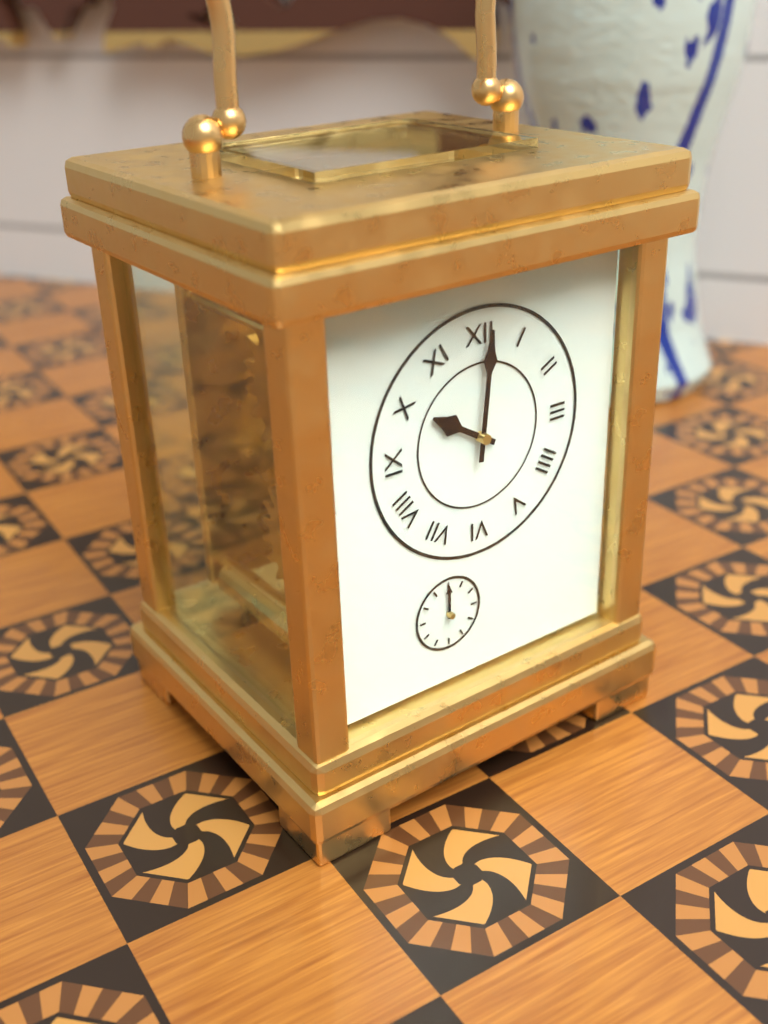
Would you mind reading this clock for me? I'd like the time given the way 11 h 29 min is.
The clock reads 10 h 01 min
